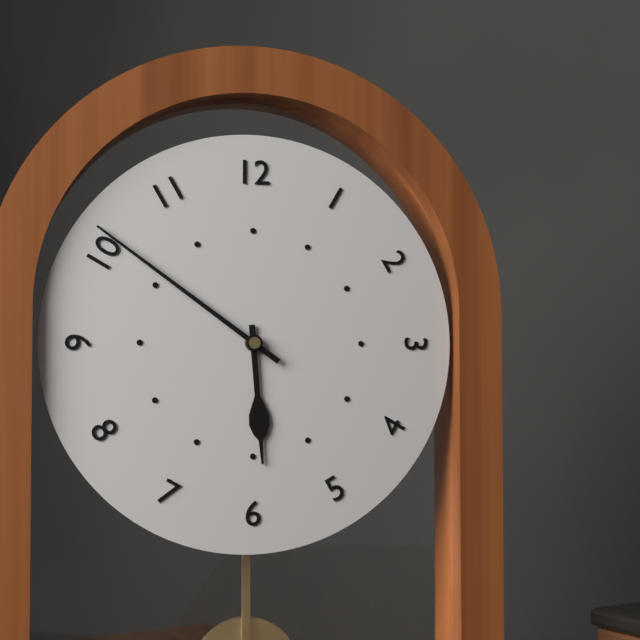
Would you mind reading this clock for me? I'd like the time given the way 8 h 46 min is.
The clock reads 5 h 51 min
